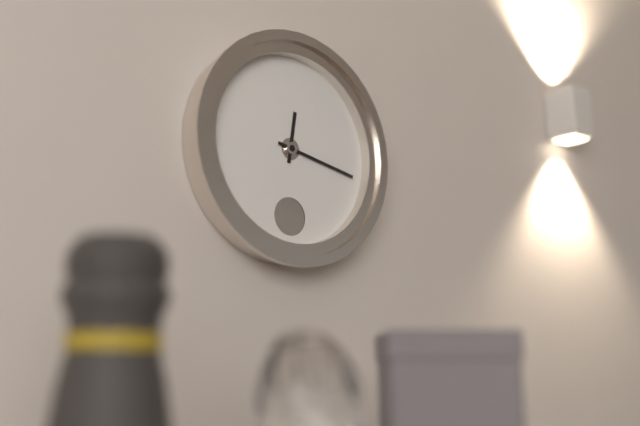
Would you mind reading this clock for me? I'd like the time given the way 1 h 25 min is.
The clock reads 12 h 17 min
